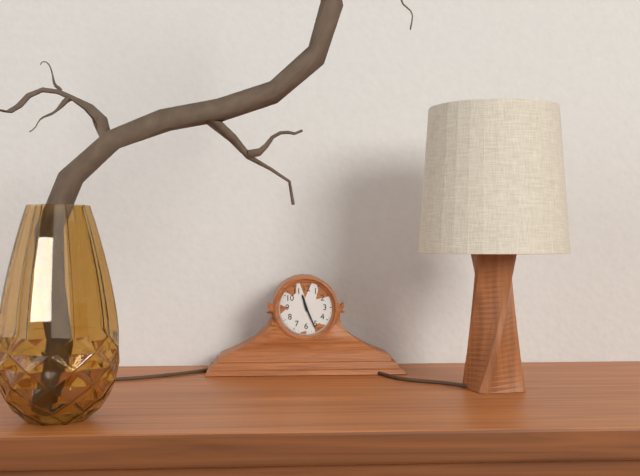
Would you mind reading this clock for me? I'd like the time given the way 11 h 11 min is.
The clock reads 11 h 26 min
